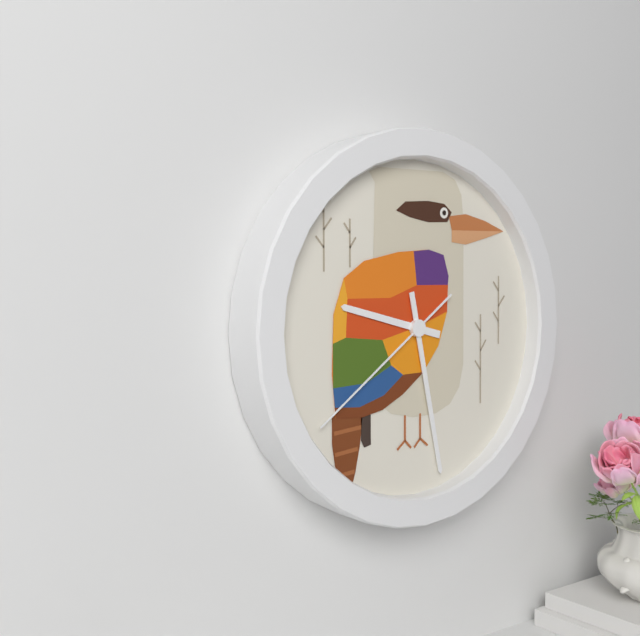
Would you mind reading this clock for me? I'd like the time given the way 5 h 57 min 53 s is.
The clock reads 9 h 28 min 39 s
